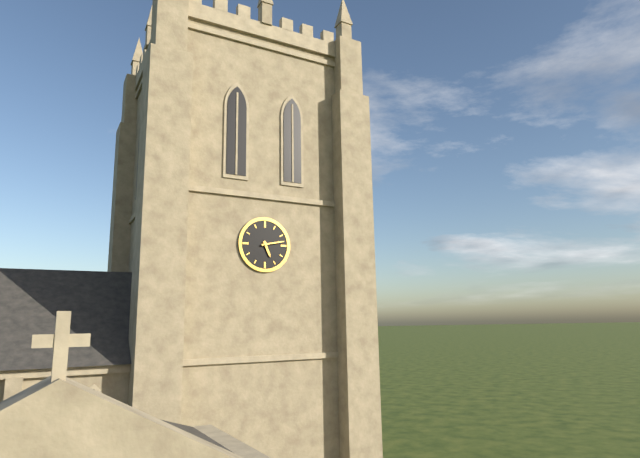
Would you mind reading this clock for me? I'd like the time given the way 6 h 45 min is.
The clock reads 5 h 13 min
